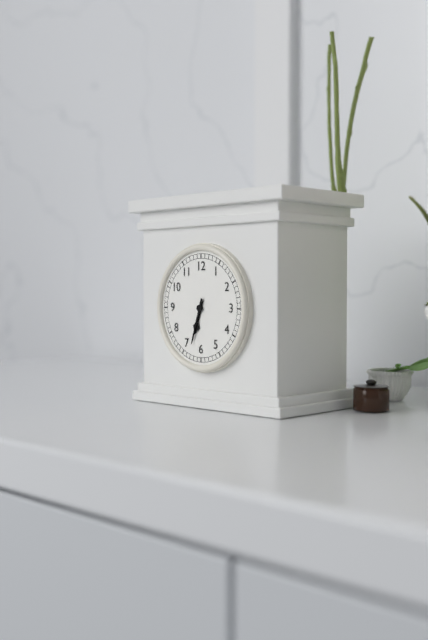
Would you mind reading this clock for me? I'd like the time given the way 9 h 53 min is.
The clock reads 6 h 33 min
